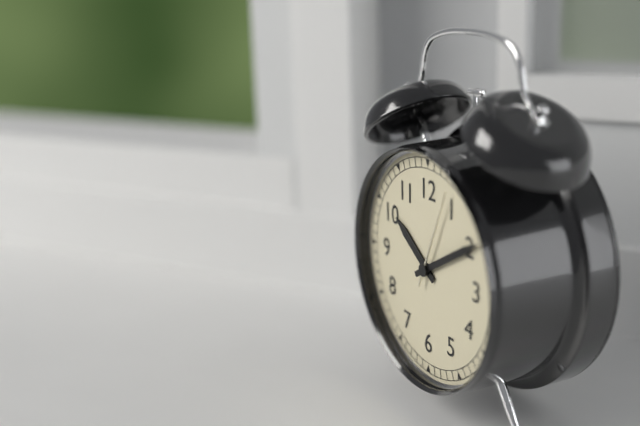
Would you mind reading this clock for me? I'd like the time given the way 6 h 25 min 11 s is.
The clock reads 10 h 10 min 04 s
